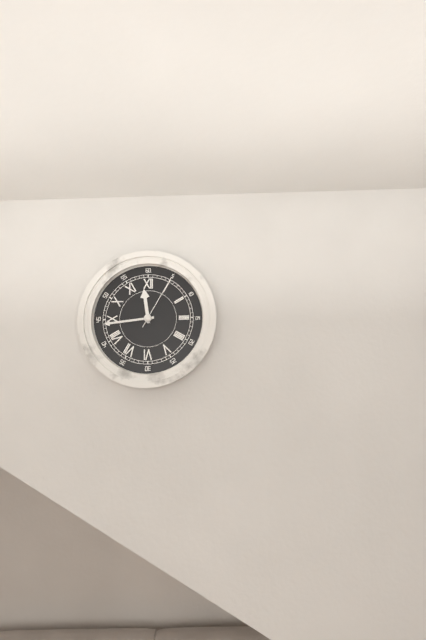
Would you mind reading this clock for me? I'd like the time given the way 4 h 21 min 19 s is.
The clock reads 11 h 44 min 05 s
